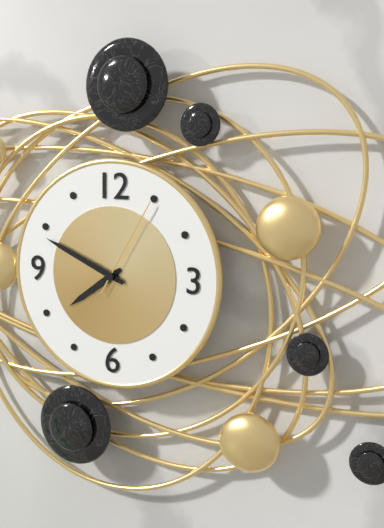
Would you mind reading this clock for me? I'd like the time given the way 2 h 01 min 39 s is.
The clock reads 7 h 49 min 05 s
